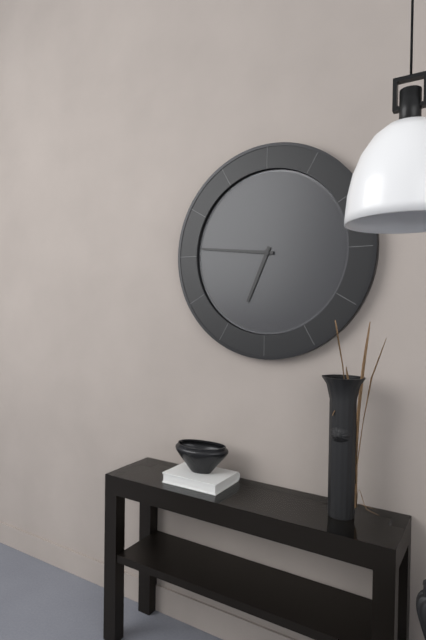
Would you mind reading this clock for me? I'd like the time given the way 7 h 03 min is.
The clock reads 6 h 46 min
